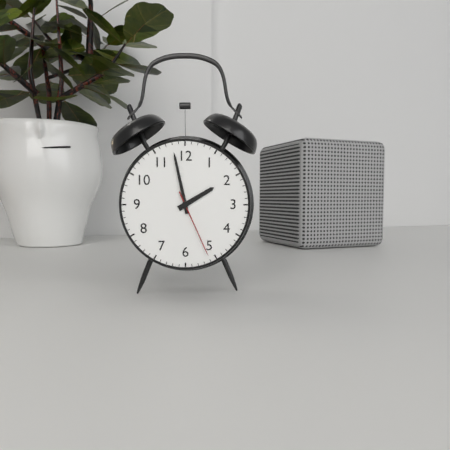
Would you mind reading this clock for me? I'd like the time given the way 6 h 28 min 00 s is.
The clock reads 1 h 58 min 26 s
